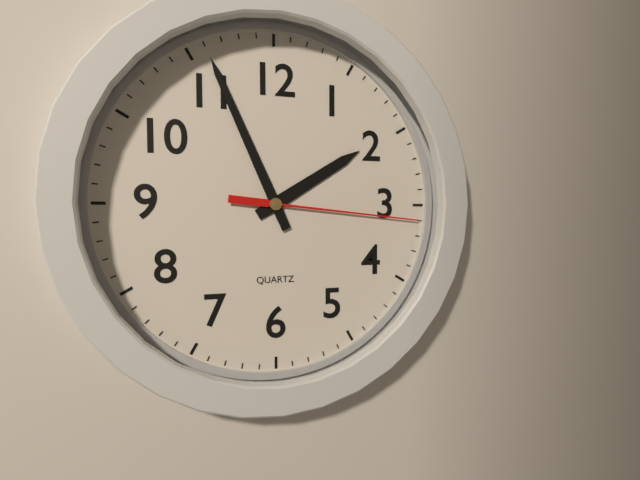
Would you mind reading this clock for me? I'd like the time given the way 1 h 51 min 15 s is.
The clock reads 1 h 56 min 16 s
